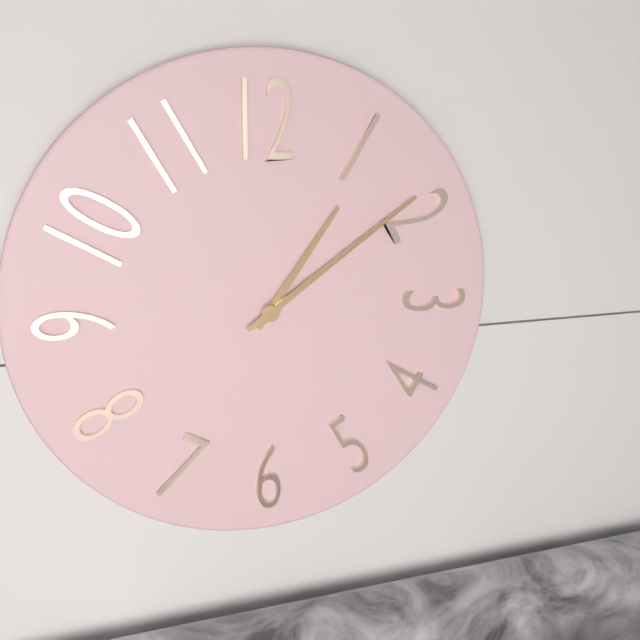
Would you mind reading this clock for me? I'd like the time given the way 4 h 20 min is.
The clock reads 1 h 09 min
